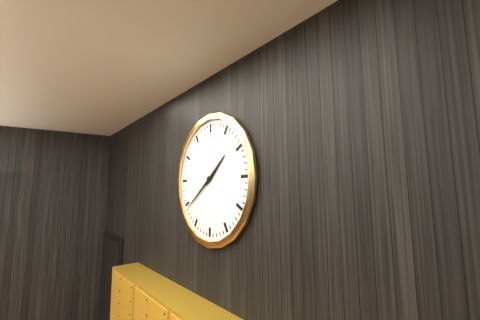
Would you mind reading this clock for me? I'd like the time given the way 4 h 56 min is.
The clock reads 1 h 39 min
